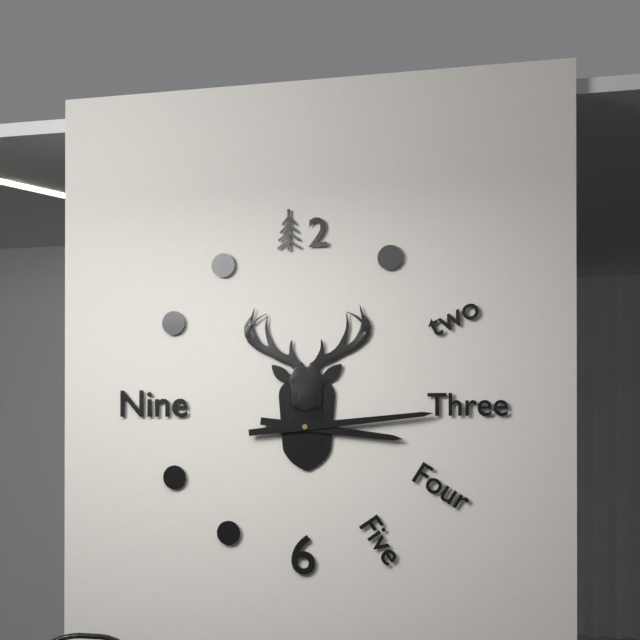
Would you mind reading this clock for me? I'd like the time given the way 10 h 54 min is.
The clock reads 3 h 14 min
